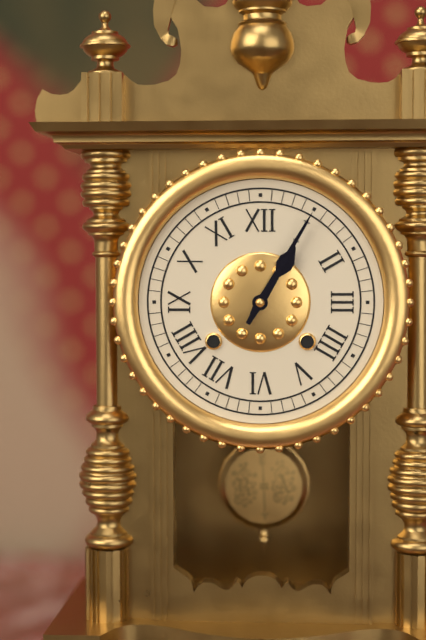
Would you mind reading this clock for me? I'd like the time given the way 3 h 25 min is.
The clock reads 1 h 05 min
